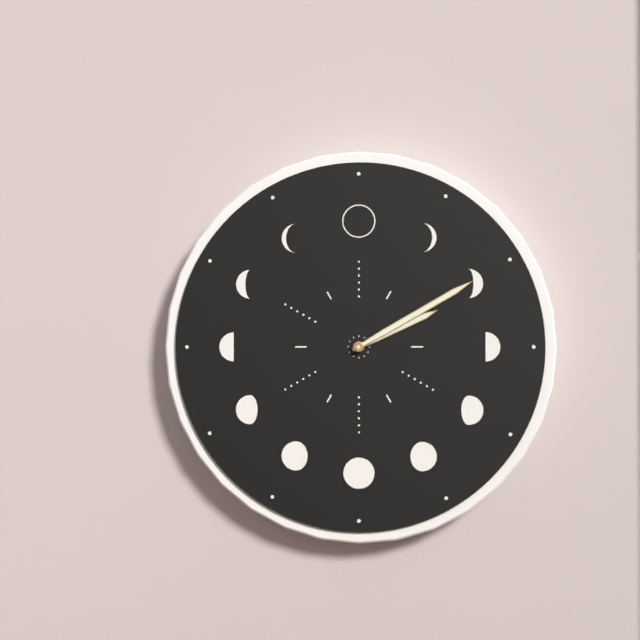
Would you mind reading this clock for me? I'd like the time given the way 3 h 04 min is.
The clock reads 2 h 10 min
